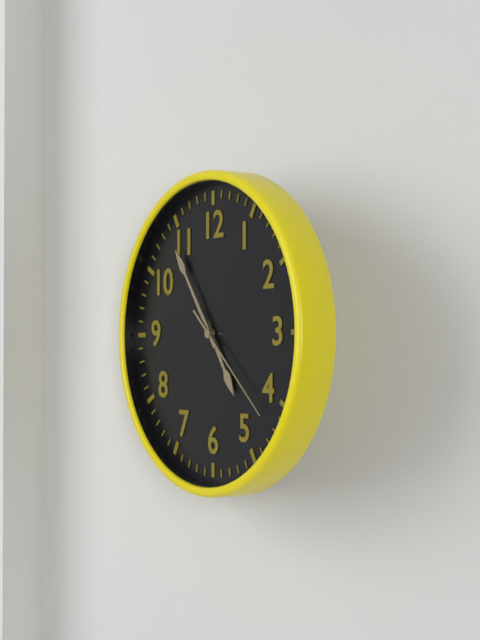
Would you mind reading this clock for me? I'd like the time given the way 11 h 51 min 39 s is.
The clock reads 4 h 54 min 22 s
